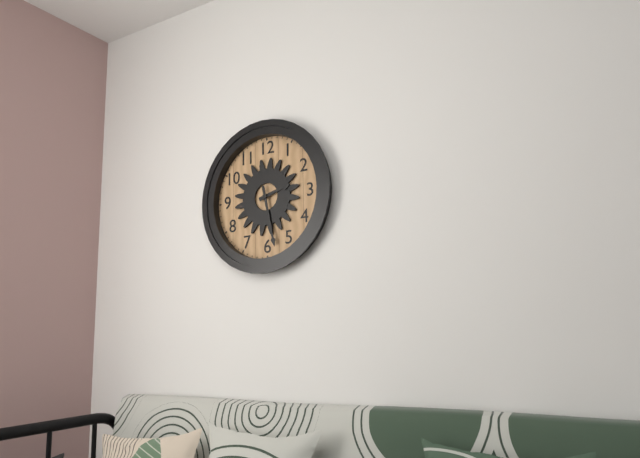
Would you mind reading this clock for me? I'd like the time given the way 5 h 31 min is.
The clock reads 2 h 28 min
